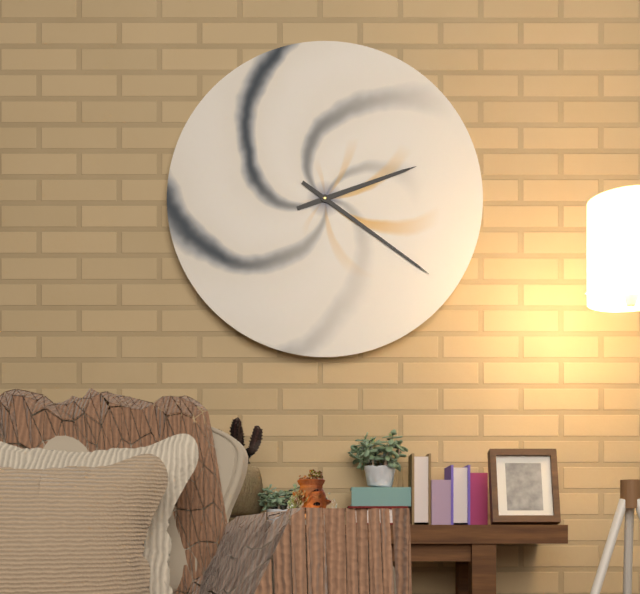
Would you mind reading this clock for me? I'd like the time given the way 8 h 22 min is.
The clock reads 2 h 21 min
